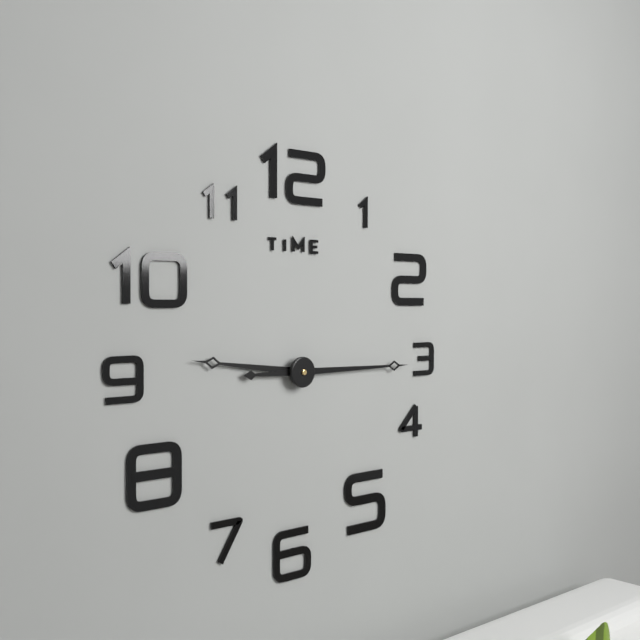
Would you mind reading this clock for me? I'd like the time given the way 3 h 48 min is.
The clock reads 9 h 15 min
